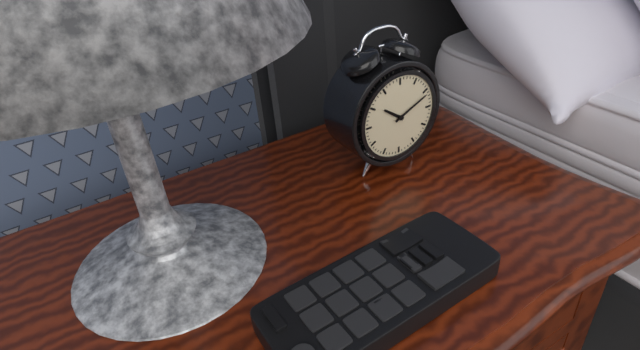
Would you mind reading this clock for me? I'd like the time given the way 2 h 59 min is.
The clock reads 10 h 11 min
